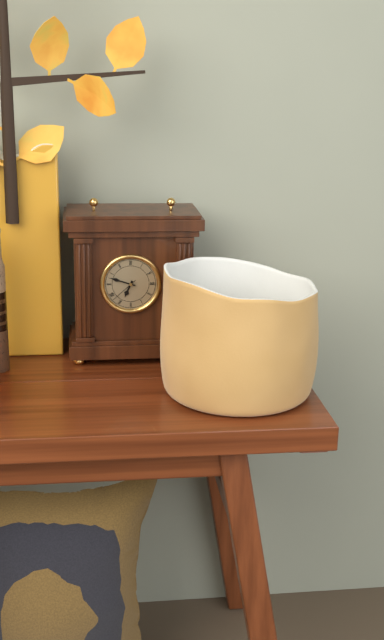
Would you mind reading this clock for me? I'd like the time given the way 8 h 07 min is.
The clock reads 6 h 48 min
